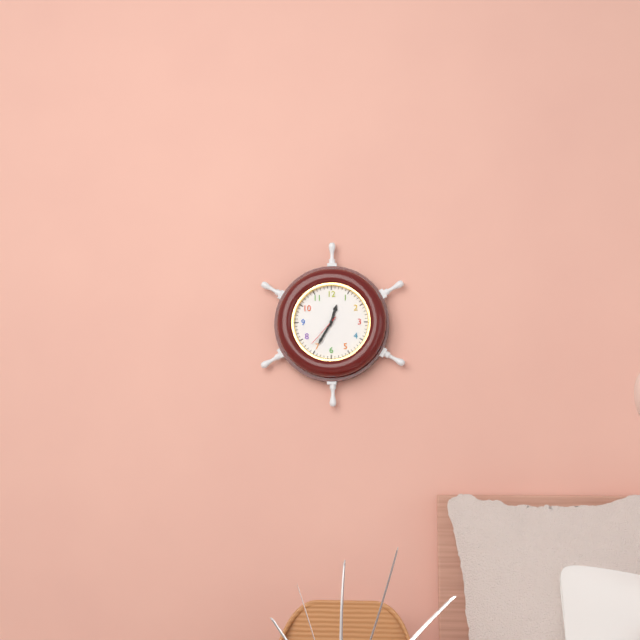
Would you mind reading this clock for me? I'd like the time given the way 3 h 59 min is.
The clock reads 12 h 35 min
